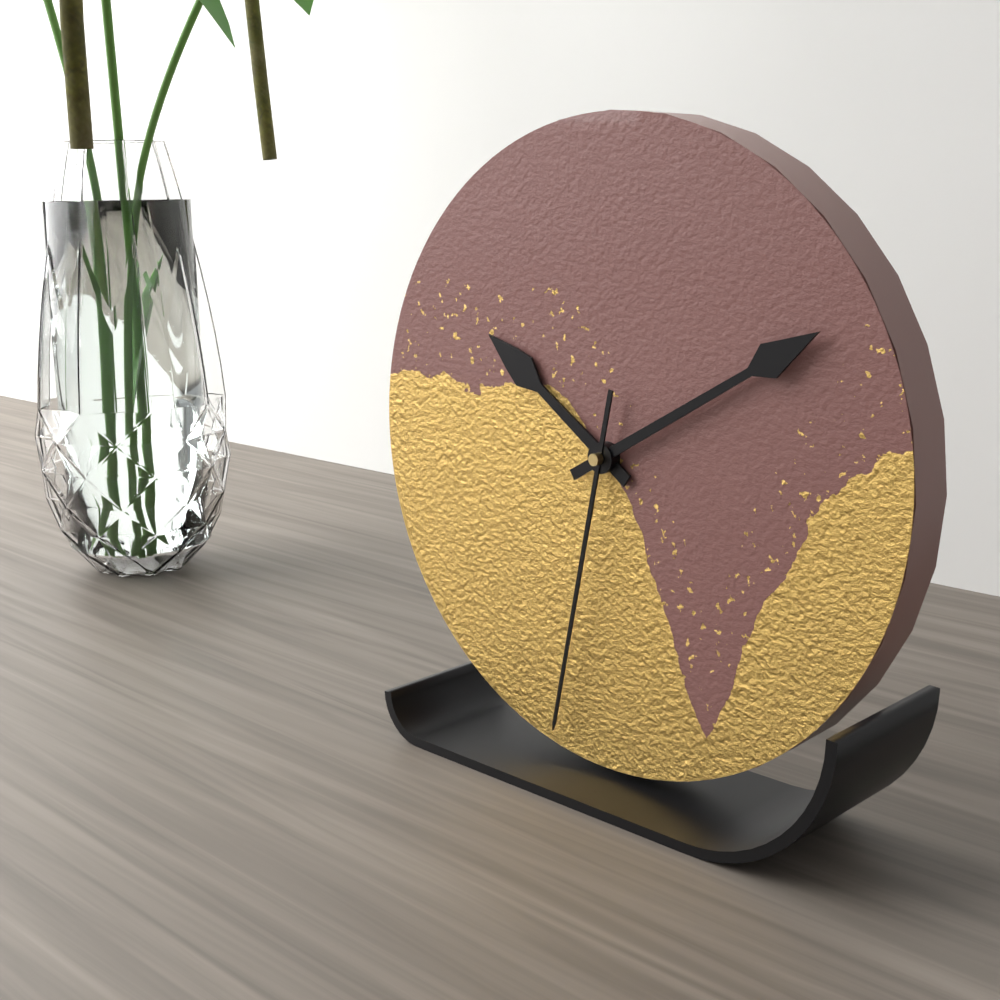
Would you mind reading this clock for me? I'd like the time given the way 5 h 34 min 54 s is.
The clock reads 10 h 10 min 32 s
